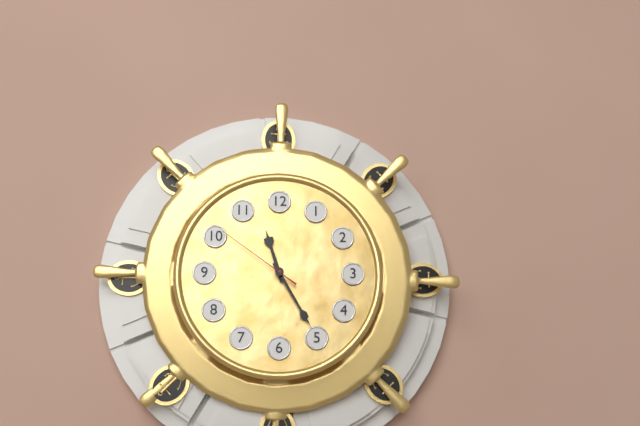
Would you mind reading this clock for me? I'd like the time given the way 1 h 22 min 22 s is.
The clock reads 11 h 25 min 51 s
